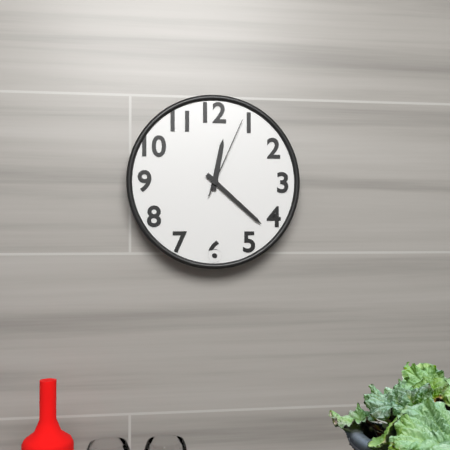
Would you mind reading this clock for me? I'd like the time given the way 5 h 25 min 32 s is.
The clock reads 12 h 22 min 04 s
